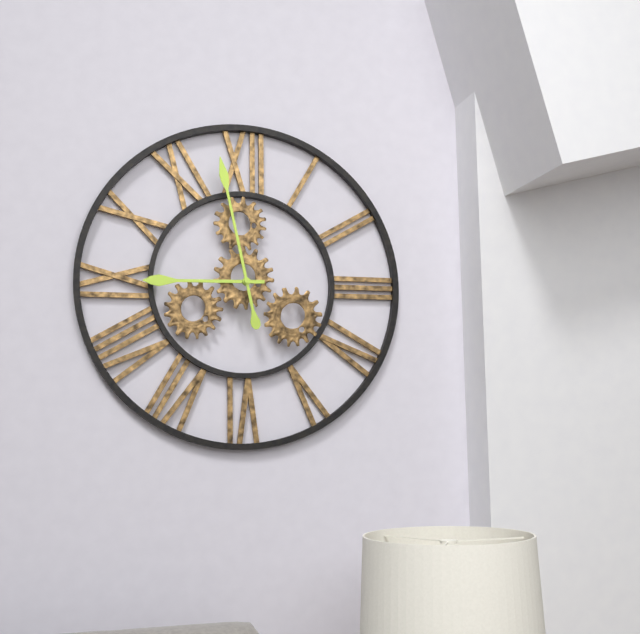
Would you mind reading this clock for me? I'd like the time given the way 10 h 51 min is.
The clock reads 8 h 58 min
